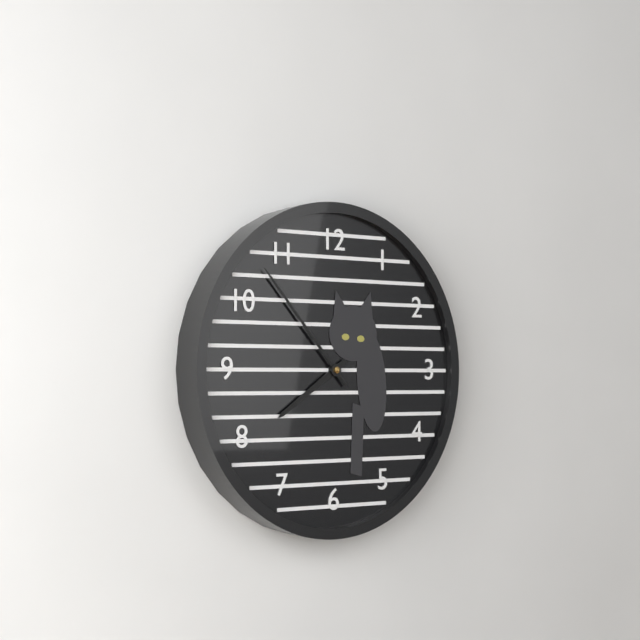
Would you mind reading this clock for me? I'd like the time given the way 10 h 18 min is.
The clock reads 7 h 53 min
